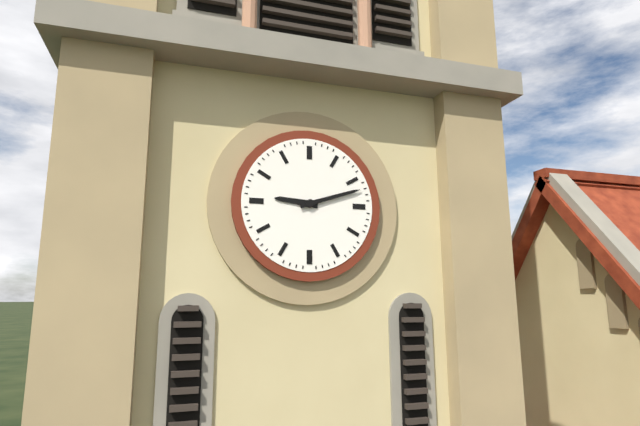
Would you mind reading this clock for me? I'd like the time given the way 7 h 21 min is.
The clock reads 9 h 12 min
